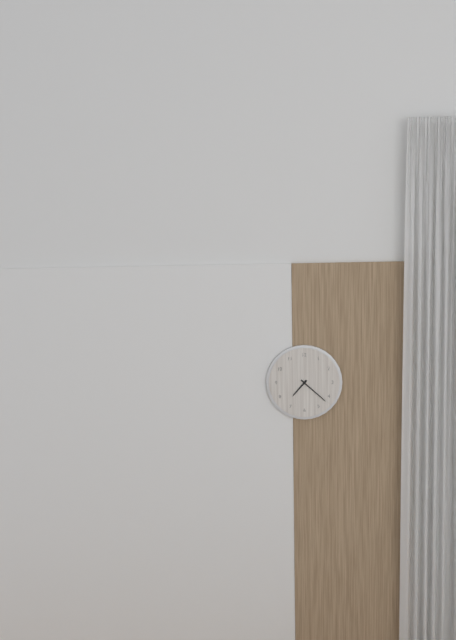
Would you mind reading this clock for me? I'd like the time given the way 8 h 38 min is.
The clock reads 7 h 22 min
